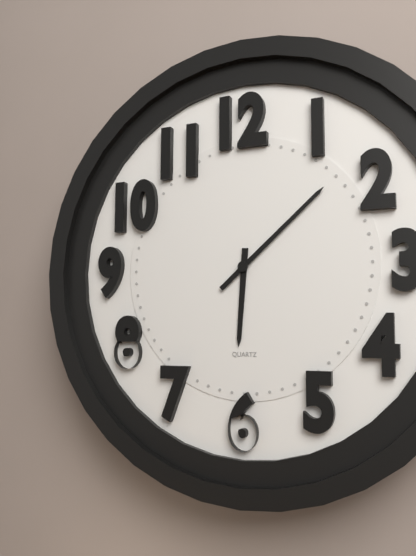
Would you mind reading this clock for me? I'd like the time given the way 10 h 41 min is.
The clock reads 6 h 08 min
